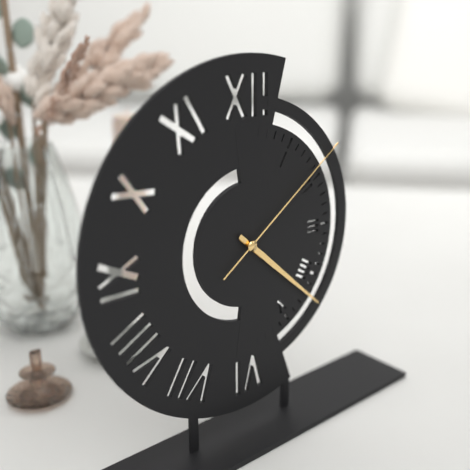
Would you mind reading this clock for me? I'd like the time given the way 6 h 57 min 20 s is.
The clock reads 4 h 22 min 09 s
